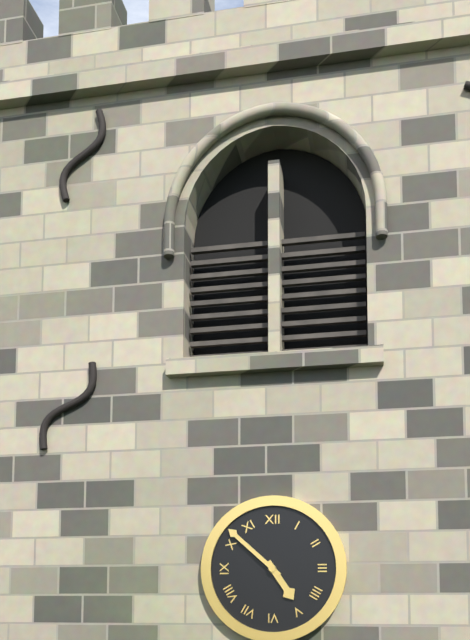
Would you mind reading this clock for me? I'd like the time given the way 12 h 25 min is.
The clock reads 4 h 52 min
